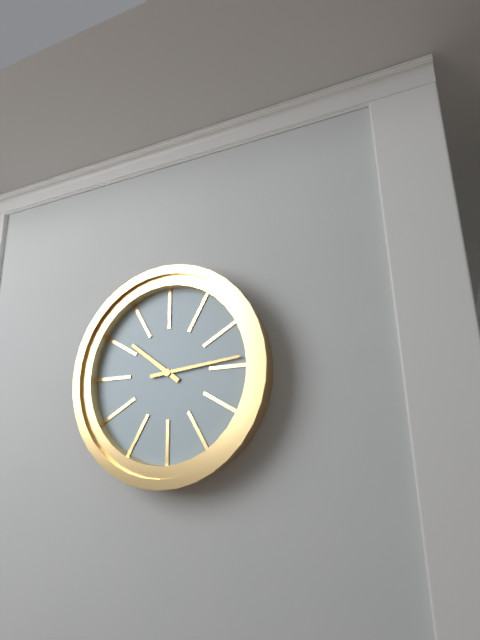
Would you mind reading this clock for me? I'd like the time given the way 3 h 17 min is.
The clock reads 10 h 14 min
